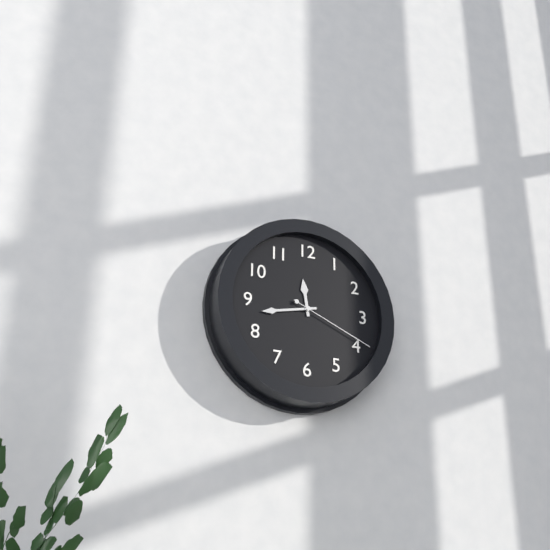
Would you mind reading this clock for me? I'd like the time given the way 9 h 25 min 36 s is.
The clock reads 11 h 43 min 19 s
